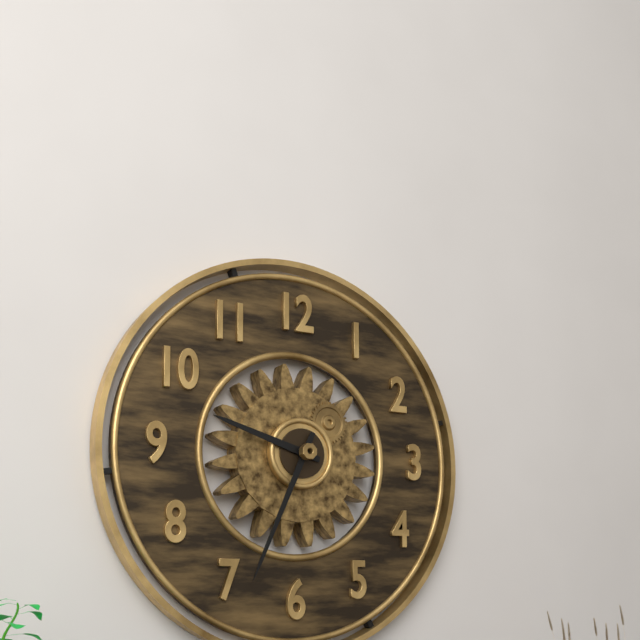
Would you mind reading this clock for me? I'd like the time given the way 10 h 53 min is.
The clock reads 9 h 34 min
